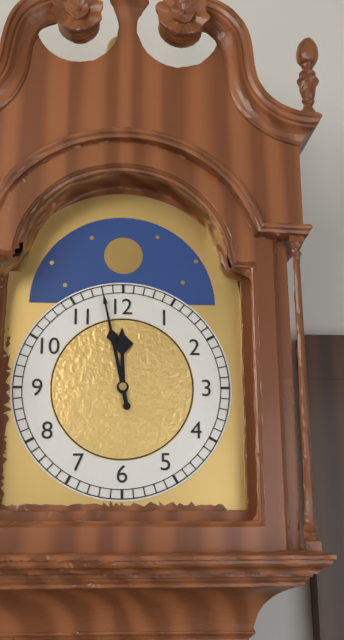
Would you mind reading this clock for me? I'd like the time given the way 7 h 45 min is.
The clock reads 11 h 58 min
